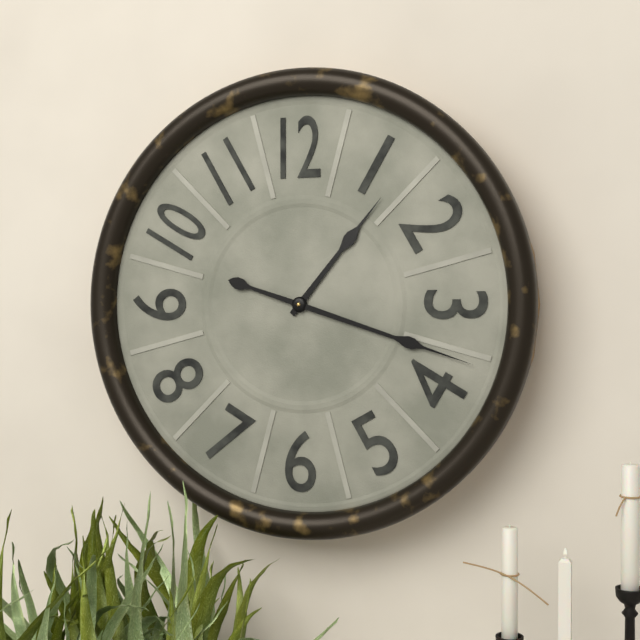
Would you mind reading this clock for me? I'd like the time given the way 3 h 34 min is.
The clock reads 1 h 18 min
